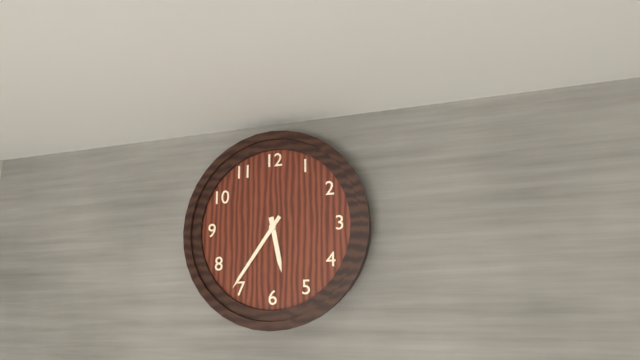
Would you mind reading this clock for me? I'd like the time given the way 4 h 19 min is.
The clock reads 5 h 36 min
